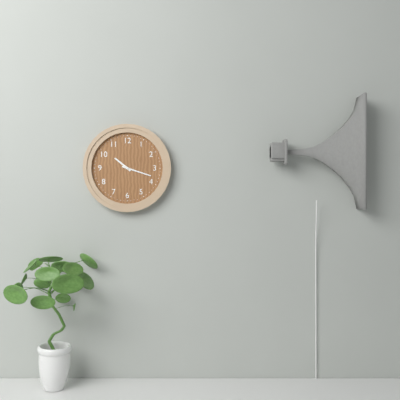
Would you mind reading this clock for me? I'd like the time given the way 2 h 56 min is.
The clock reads 10 h 18 min
